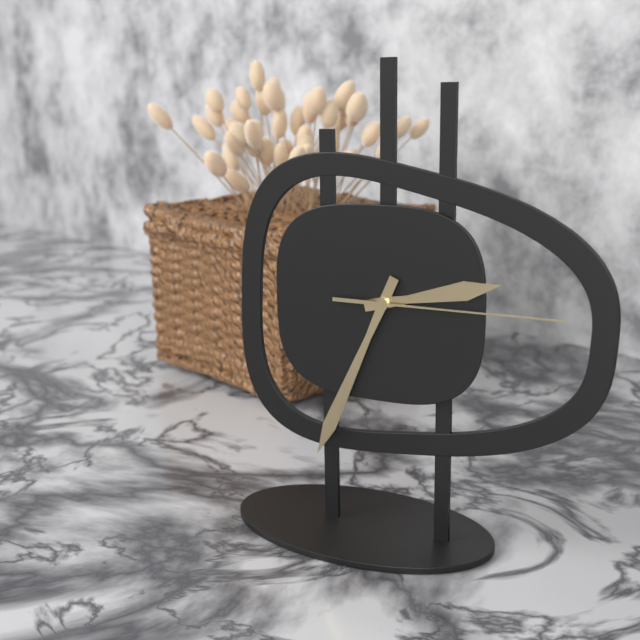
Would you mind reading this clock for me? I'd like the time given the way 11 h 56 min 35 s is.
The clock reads 2 h 34 min 15 s
